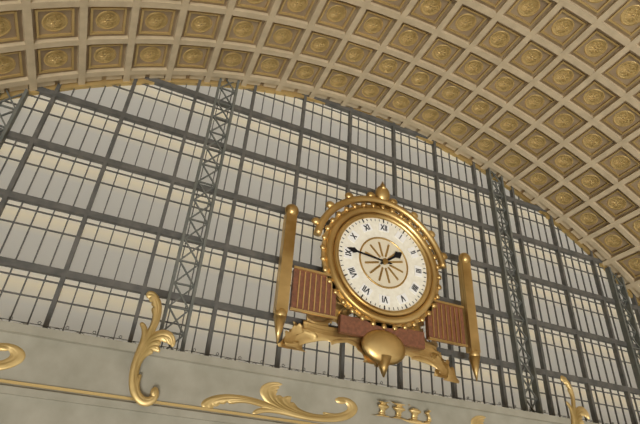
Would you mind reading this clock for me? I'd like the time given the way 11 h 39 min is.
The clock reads 1 h 46 min
